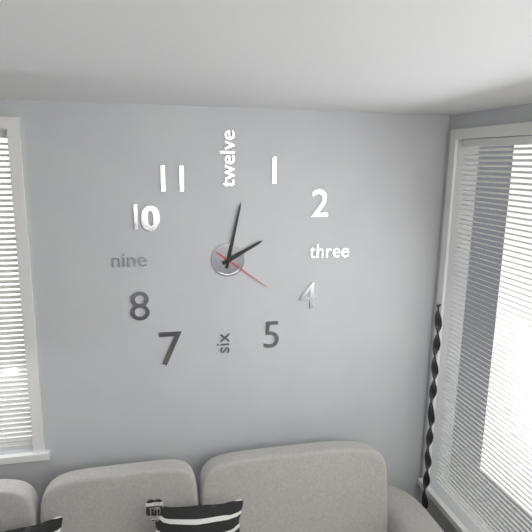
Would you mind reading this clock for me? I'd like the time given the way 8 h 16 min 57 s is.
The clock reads 2 h 02 min 21 s
